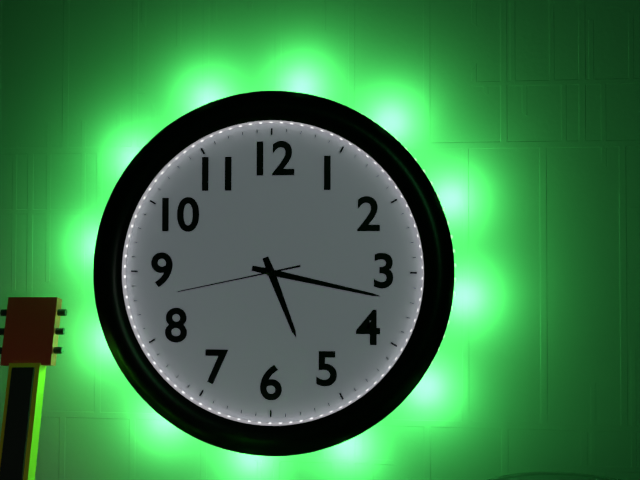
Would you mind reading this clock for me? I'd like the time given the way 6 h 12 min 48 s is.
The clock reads 5 h 17 min 43 s
